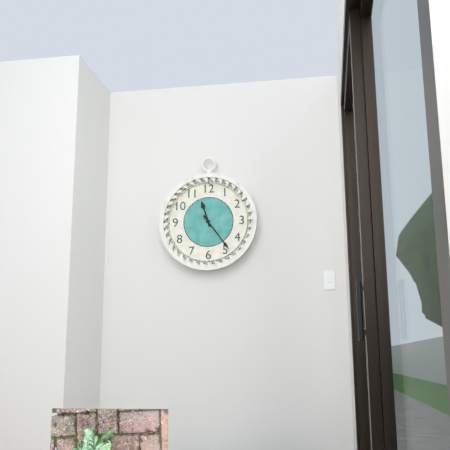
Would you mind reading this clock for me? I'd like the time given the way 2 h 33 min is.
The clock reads 11 h 24 min
